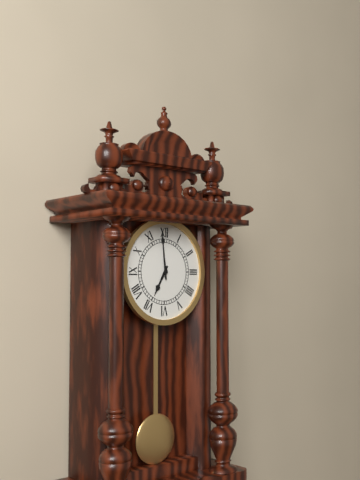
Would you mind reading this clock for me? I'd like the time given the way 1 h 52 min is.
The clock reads 6 h 59 min
